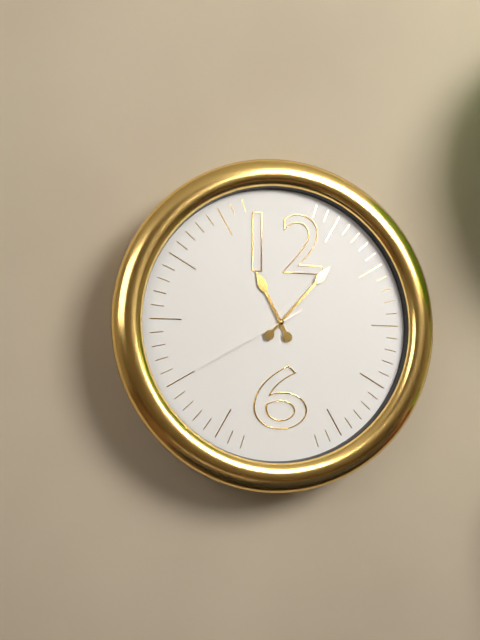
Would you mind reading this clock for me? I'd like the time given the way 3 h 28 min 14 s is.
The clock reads 11 h 07 min 40 s
